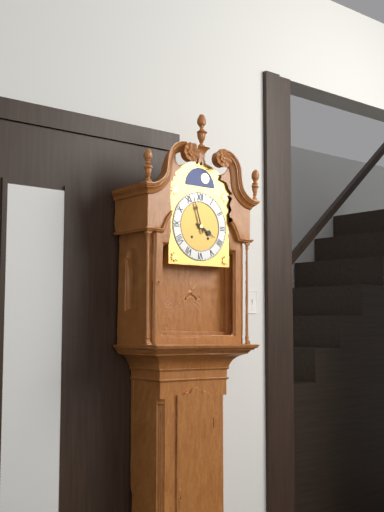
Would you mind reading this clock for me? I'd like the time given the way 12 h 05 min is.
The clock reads 3 h 57 min
